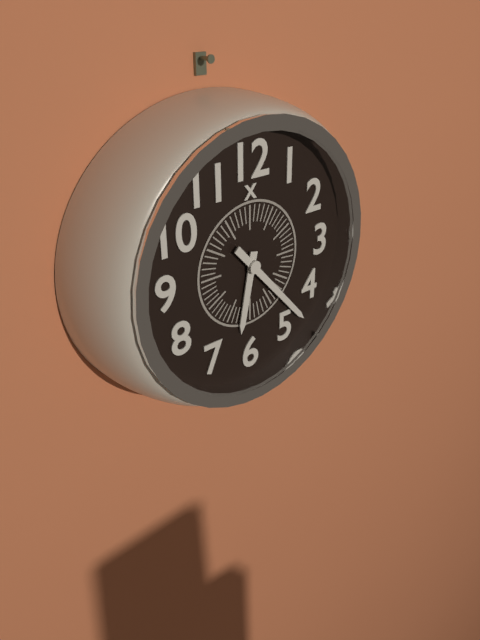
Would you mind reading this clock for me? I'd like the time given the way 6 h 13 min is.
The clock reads 6 h 23 min
